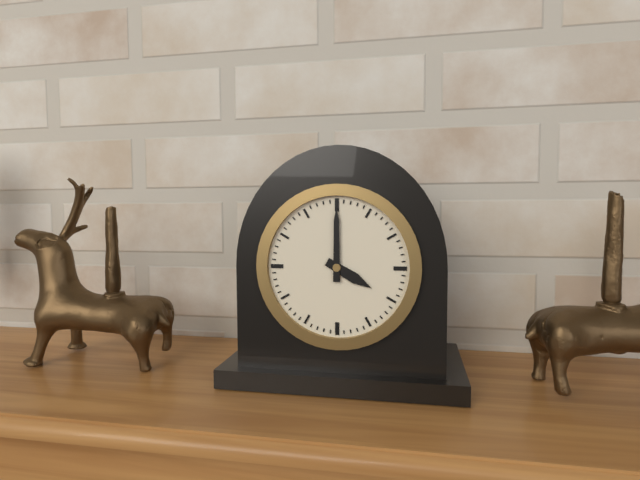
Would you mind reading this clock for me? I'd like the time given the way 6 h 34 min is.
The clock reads 4 h 00 min
